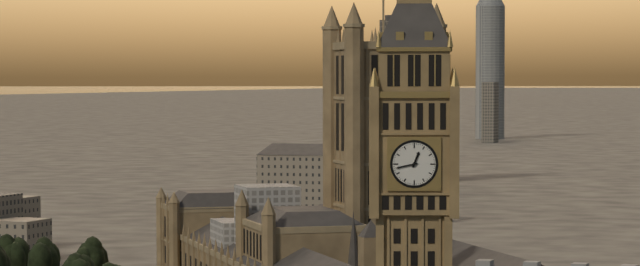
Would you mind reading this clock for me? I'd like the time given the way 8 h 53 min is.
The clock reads 12 h 43 min
